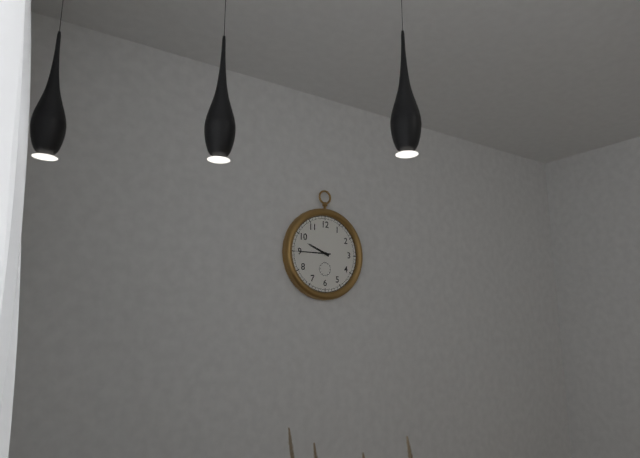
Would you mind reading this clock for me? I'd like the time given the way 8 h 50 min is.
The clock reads 9 h 45 min
